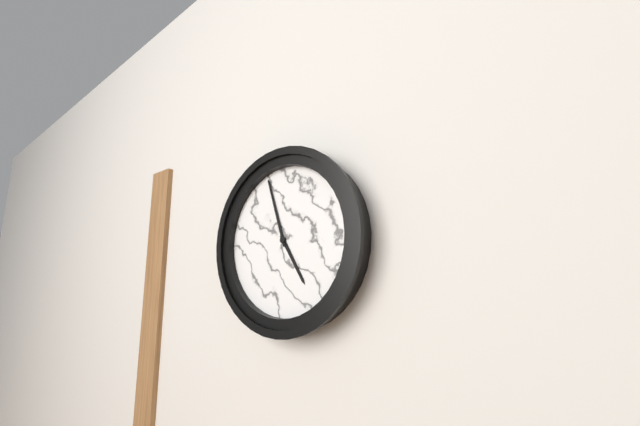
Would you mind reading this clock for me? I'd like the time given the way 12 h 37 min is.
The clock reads 4 h 57 min
